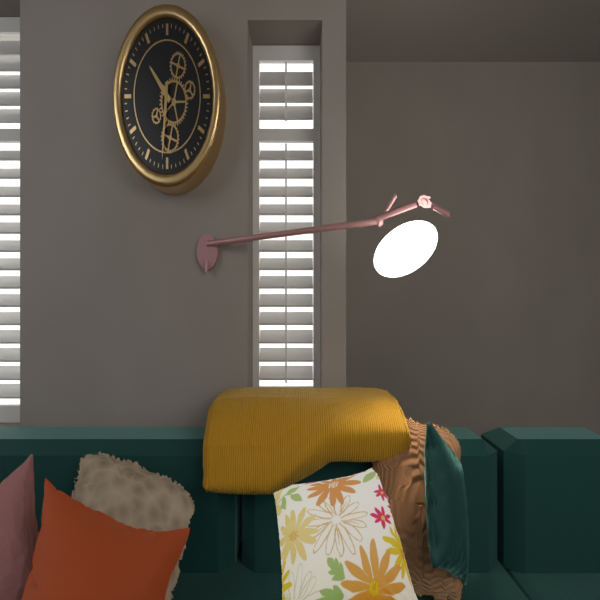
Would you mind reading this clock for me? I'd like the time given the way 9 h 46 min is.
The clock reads 10 h 31 min
